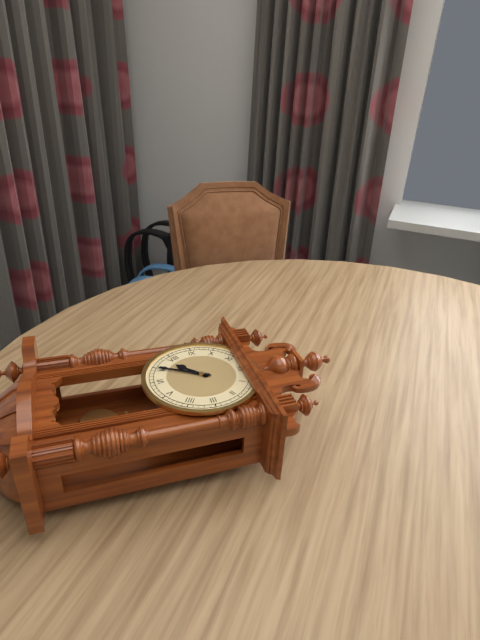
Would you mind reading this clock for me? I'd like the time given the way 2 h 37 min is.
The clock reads 7 h 35 min
